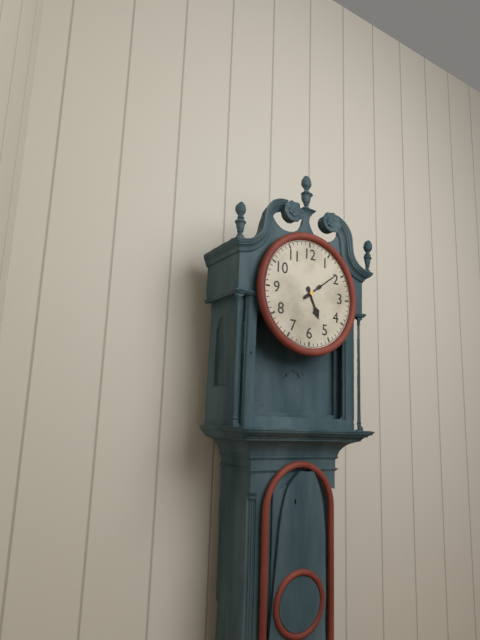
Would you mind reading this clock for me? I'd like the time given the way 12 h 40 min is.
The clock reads 5 h 09 min
